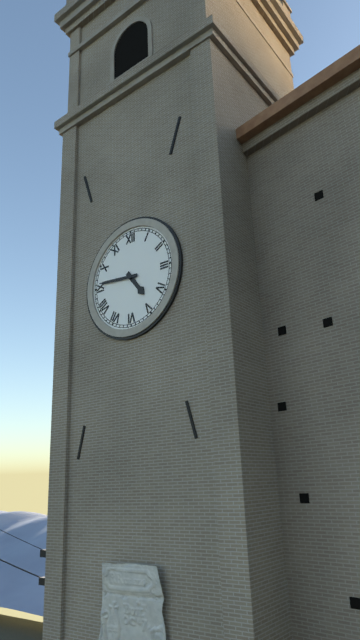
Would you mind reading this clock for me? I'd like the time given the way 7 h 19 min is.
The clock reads 4 h 46 min
